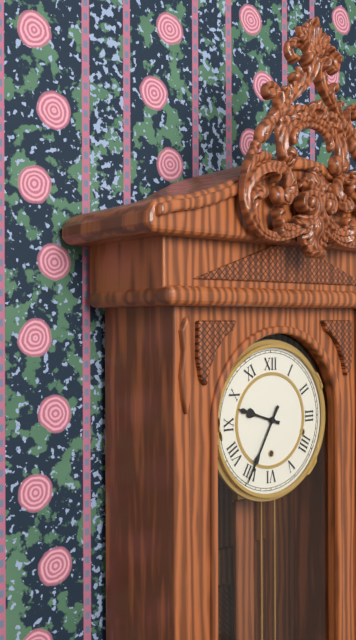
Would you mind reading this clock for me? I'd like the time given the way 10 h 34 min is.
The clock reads 9 h 35 min
